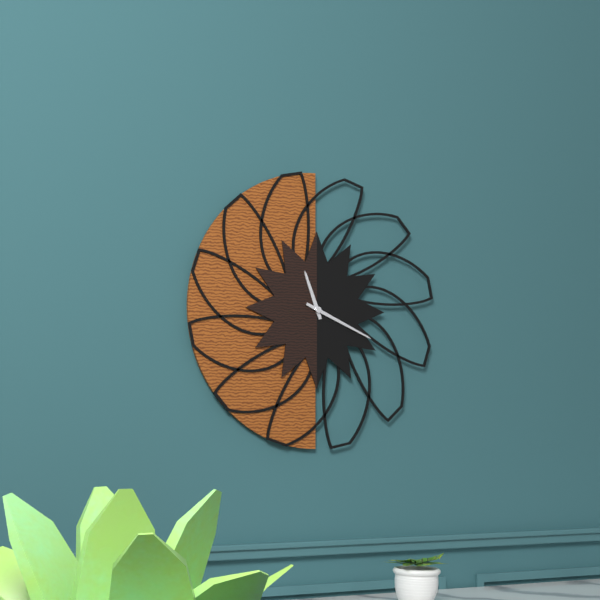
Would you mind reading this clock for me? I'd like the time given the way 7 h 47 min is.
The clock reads 11 h 19 min
